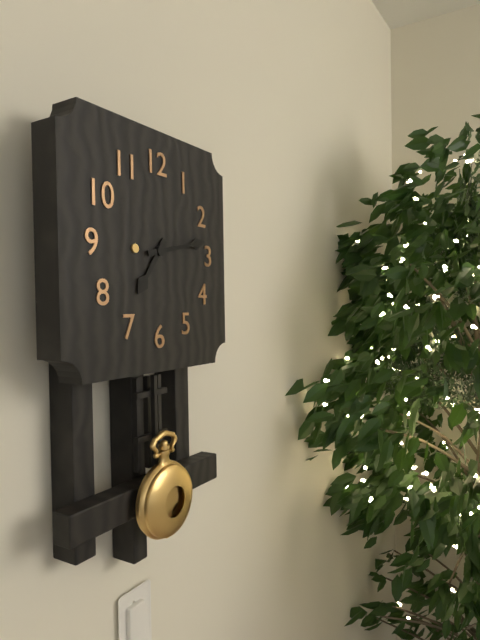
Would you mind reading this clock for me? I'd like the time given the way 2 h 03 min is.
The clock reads 7 h 13 min
